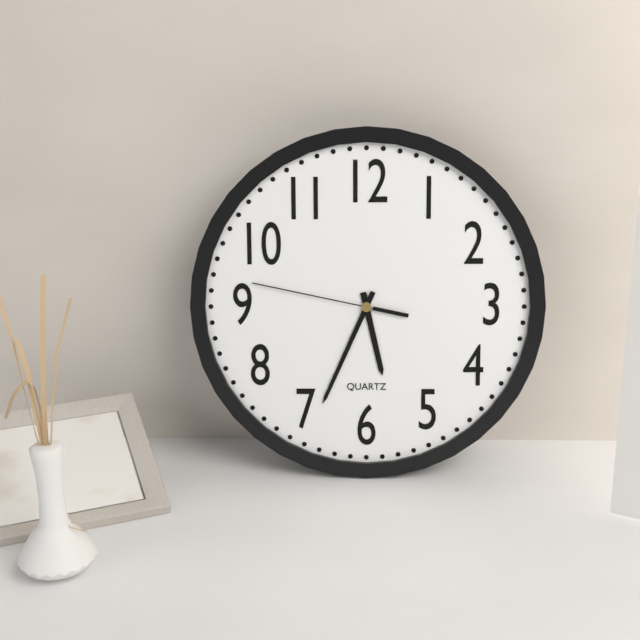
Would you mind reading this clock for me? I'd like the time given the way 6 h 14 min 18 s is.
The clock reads 5 h 34 min 47 s
